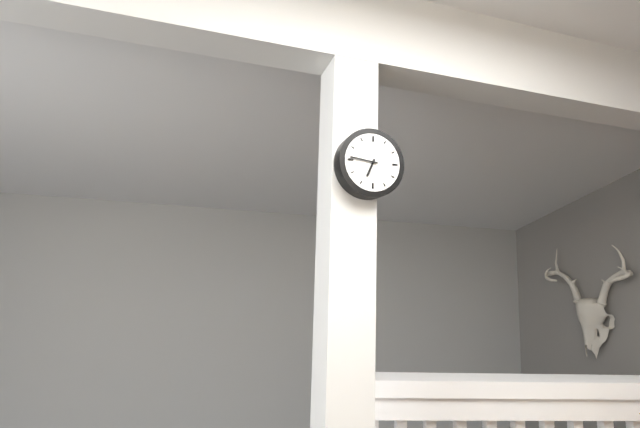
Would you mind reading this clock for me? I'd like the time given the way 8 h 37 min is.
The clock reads 6 h 46 min
